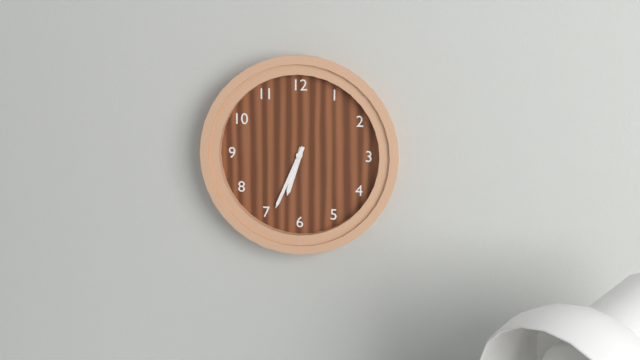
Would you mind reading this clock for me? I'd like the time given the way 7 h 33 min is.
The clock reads 6 h 34 min
